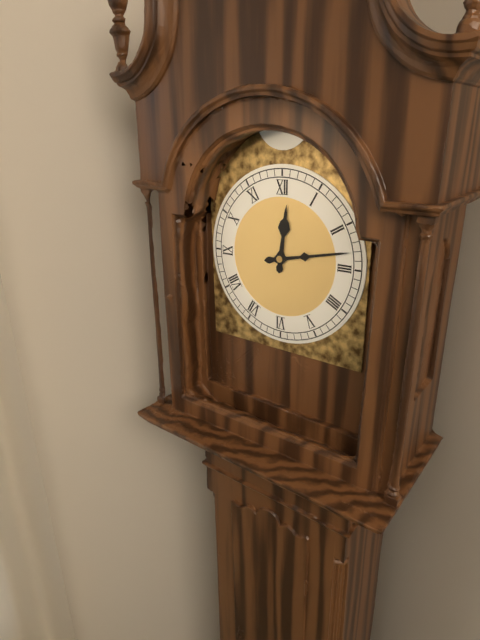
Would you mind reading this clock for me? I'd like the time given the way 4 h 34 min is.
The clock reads 12 h 13 min
